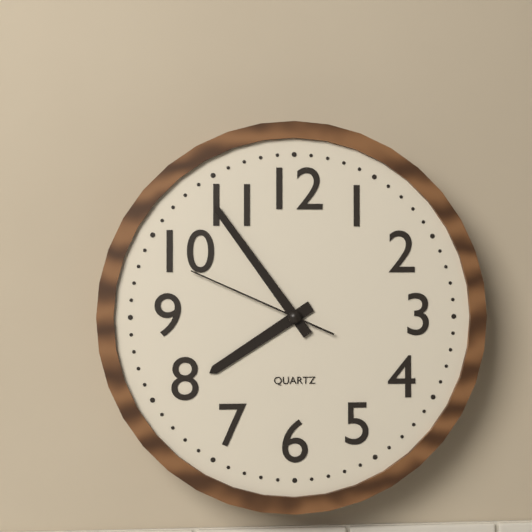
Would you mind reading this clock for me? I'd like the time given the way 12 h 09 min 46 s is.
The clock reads 7 h 54 min 49 s
